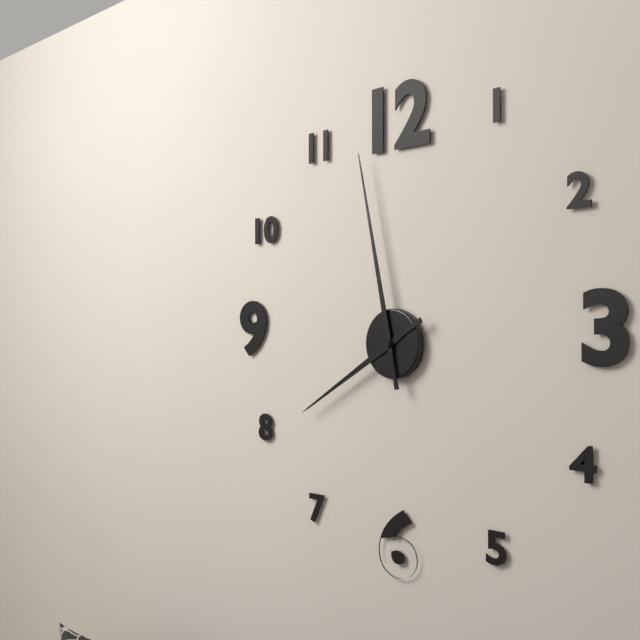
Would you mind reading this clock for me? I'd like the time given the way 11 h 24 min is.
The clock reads 7 h 58 min
